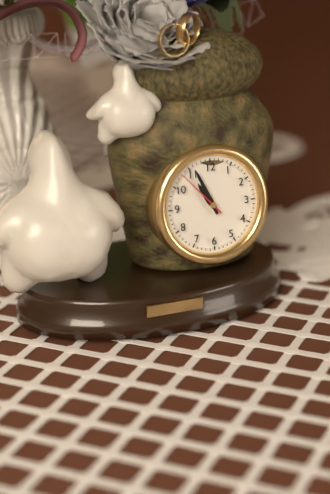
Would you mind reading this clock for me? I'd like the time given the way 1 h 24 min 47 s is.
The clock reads 10 h 56 min 53 s
